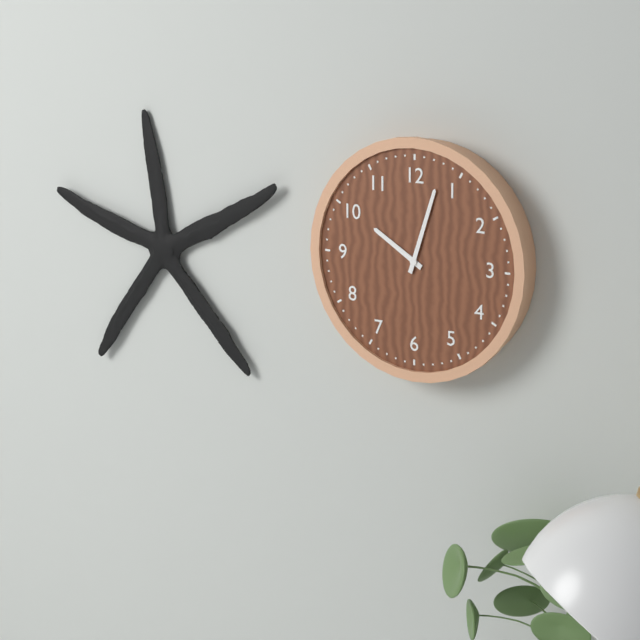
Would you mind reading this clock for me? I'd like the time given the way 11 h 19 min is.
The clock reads 10 h 03 min
